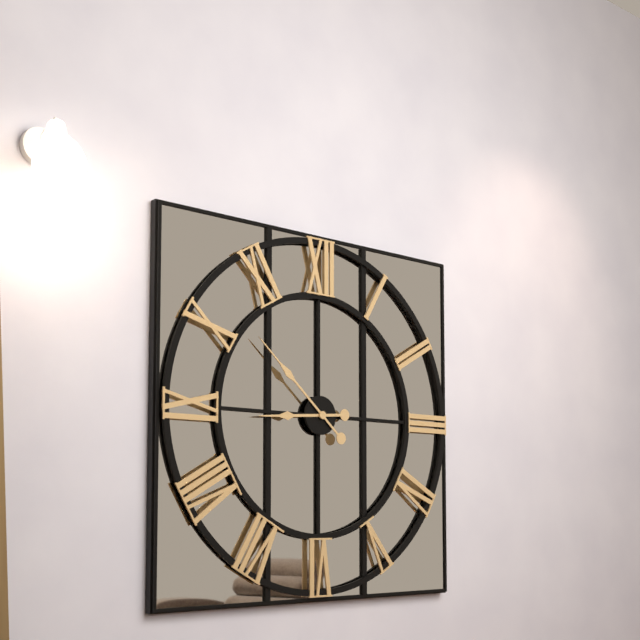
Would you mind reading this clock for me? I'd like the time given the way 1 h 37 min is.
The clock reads 8 h 52 min
